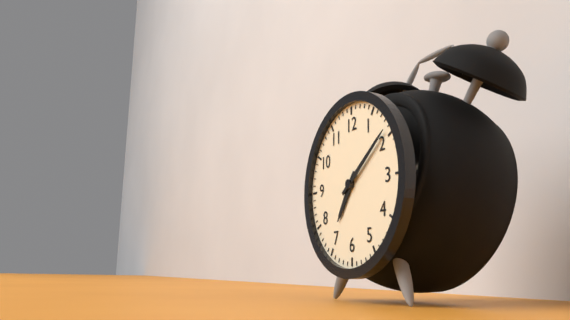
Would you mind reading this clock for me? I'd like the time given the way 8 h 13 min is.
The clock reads 7 h 09 min
